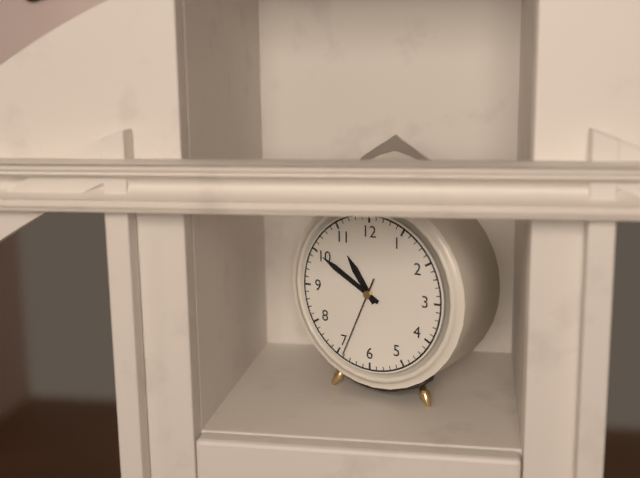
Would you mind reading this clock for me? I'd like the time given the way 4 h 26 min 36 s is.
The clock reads 10 h 50 min 34 s
